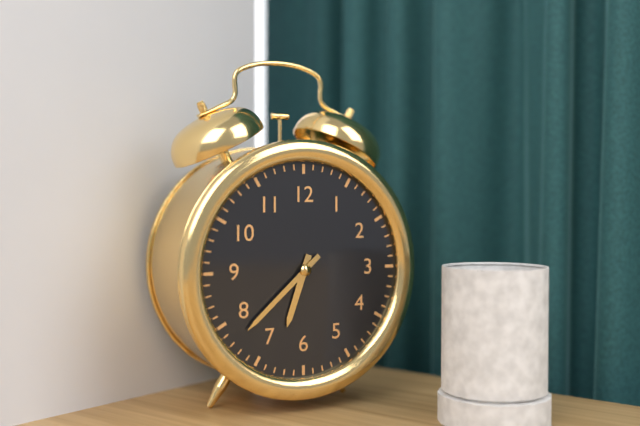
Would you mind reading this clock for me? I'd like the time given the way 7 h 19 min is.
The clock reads 6 h 38 min
